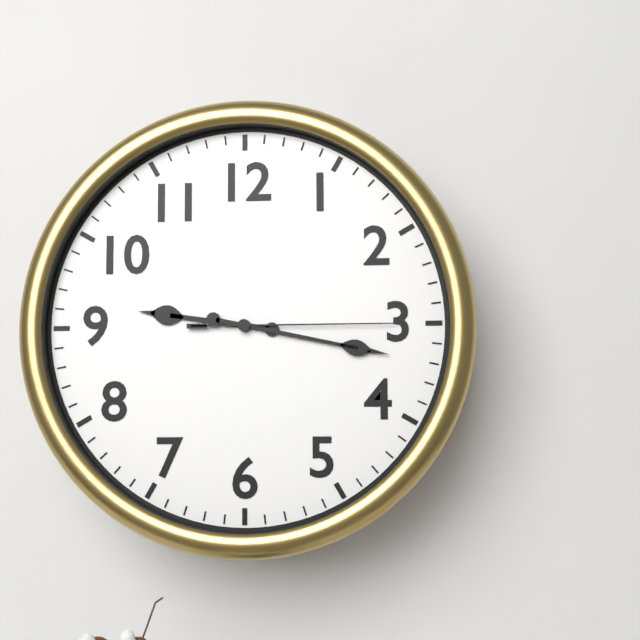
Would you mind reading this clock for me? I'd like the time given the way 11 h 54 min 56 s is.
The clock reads 9 h 17 min 15 s
